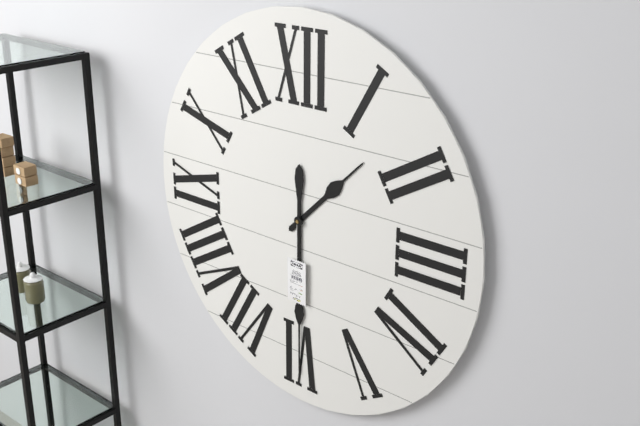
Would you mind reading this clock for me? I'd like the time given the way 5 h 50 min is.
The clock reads 1 h 30 min
